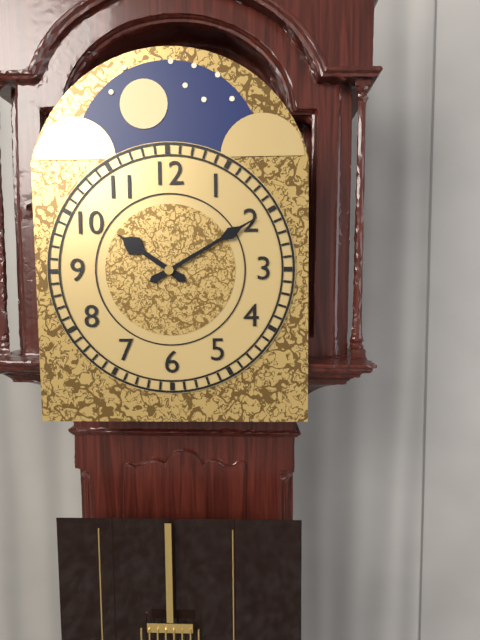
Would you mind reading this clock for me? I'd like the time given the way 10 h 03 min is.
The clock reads 10 h 10 min
